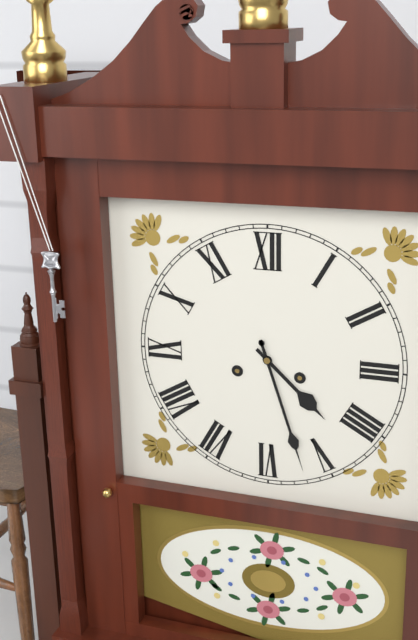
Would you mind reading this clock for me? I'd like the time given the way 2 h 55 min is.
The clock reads 4 h 27 min
